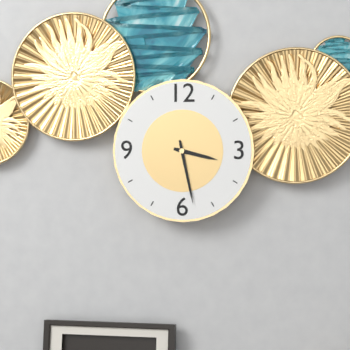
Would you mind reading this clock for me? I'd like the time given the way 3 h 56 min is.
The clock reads 3 h 28 min
